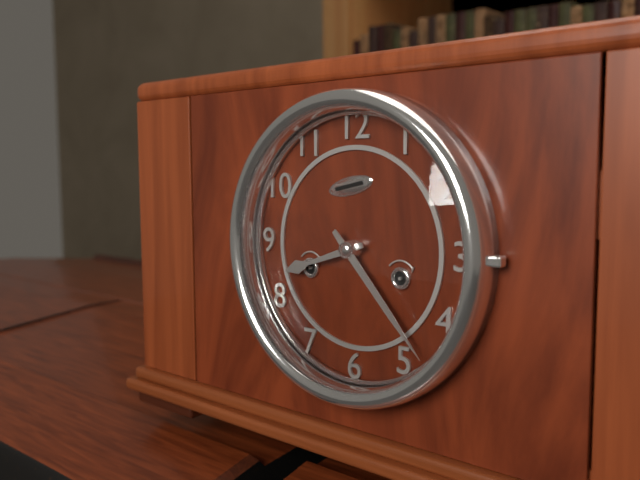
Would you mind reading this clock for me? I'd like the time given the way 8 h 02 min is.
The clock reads 8 h 23 min
